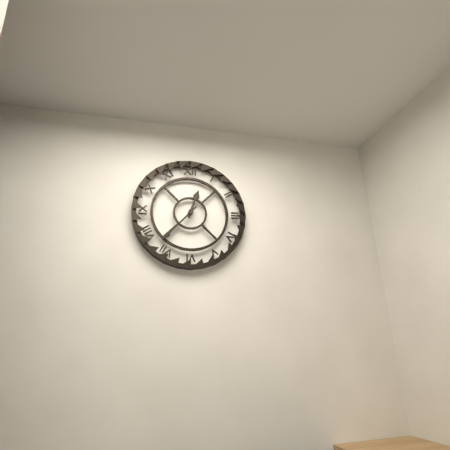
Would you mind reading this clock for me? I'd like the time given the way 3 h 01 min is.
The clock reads 12 h 37 min
